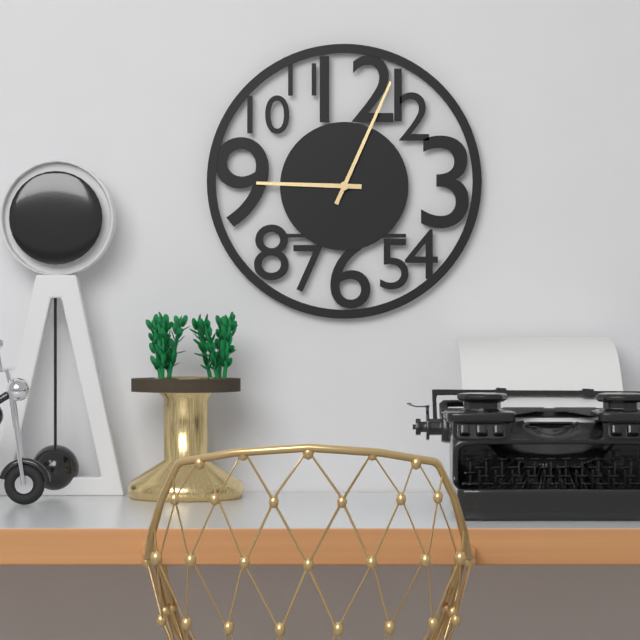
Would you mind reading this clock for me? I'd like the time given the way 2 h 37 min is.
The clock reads 9 h 04 min
